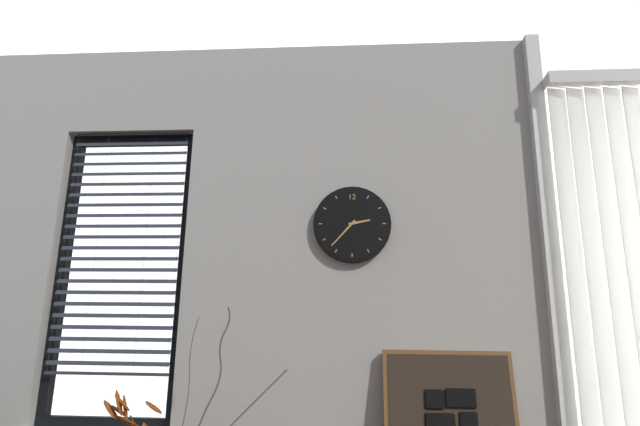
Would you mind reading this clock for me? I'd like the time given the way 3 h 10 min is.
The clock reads 2 h 37 min
